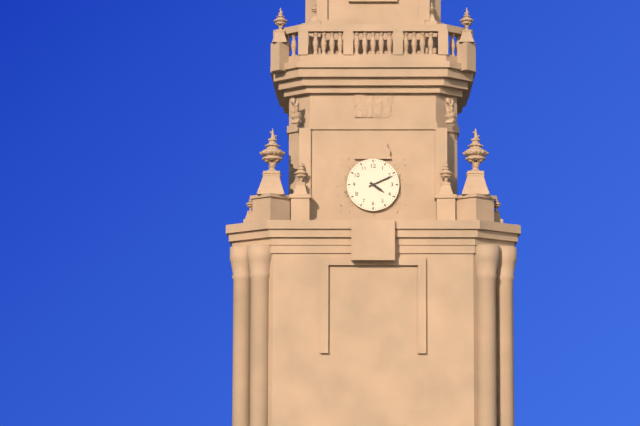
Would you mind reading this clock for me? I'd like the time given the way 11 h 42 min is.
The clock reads 4 h 11 min
